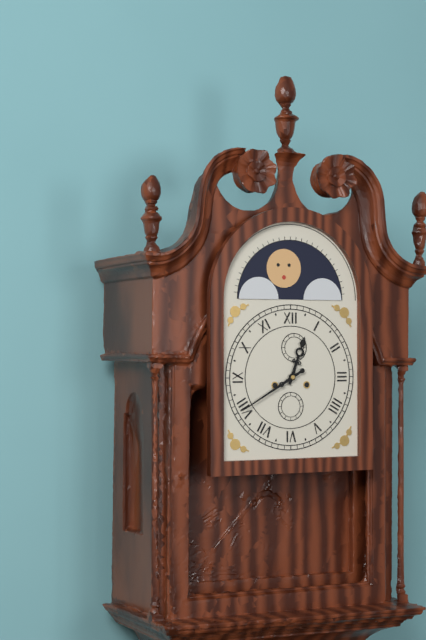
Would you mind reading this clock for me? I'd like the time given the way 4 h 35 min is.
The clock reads 12 h 40 min
